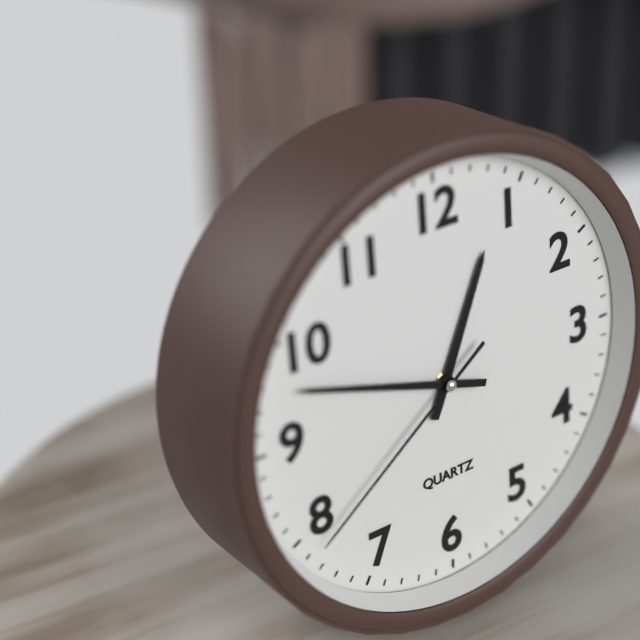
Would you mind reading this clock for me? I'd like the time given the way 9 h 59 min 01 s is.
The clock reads 12 h 48 min 39 s
